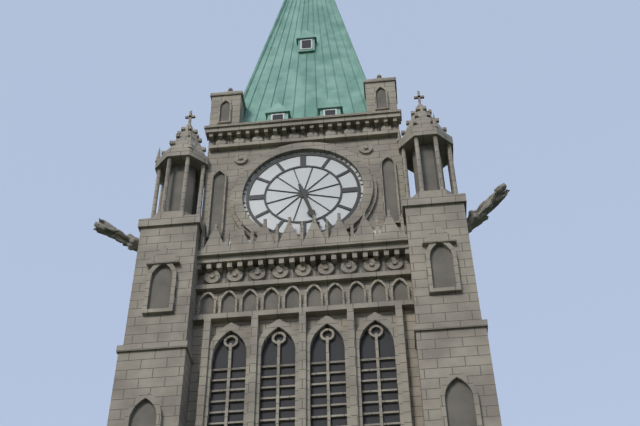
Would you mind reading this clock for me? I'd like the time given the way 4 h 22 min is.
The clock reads 5 h 27 min
